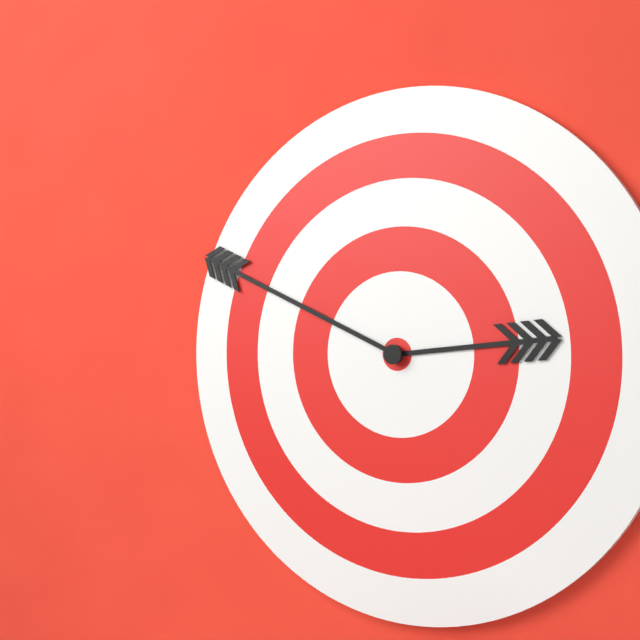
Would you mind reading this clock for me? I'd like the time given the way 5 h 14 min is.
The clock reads 2 h 49 min
